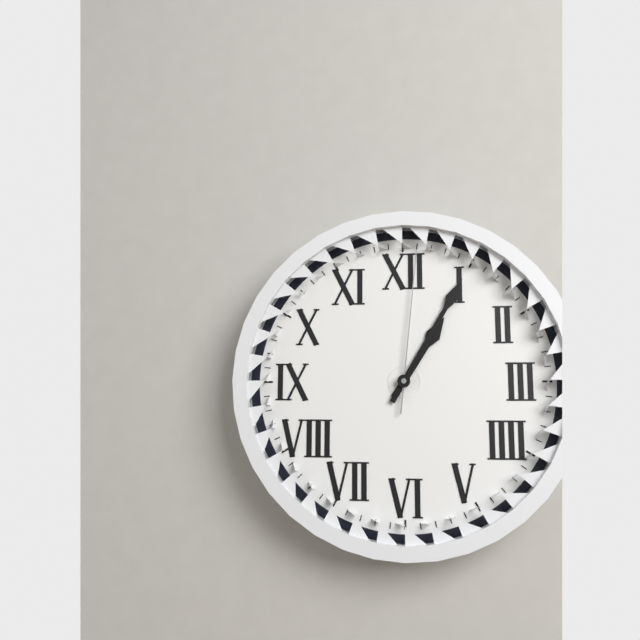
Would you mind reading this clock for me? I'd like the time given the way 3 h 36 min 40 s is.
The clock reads 1 h 05 min 01 s
